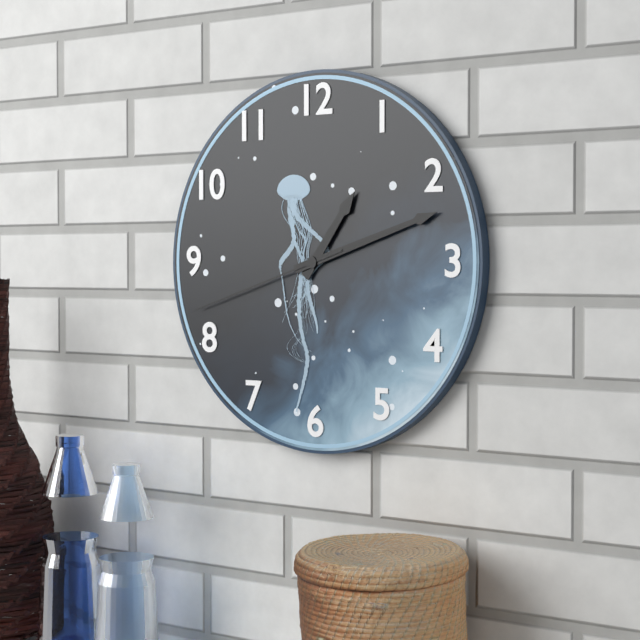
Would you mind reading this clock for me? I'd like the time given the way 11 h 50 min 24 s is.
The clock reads 1 h 12 min 42 s
